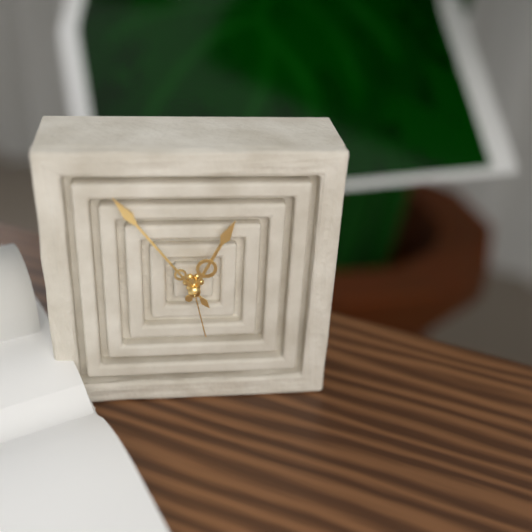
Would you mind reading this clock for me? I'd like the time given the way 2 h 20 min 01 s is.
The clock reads 12 h 54 min 28 s
